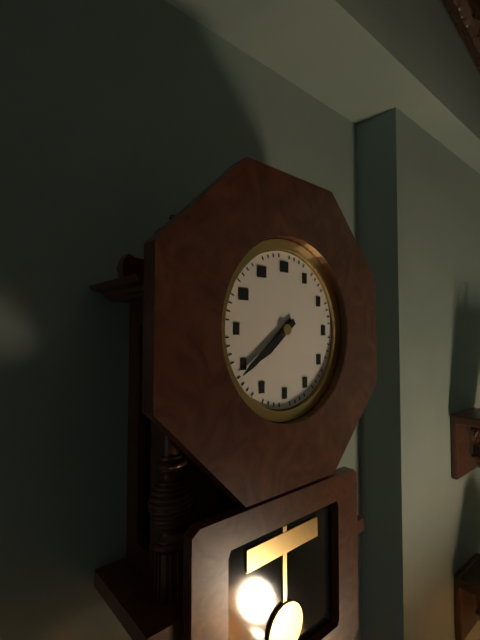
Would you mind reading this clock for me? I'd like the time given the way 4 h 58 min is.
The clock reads 7 h 39 min
